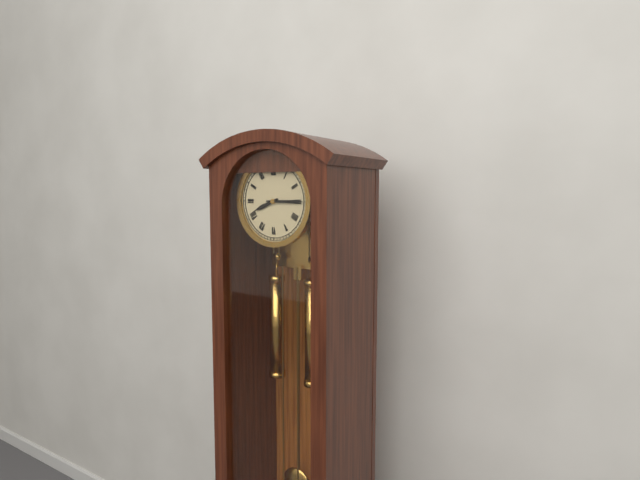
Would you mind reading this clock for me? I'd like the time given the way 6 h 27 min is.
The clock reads 8 h 15 min
